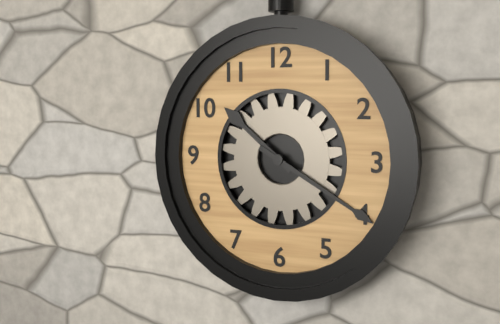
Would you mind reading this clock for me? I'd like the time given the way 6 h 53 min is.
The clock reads 10 h 20 min
